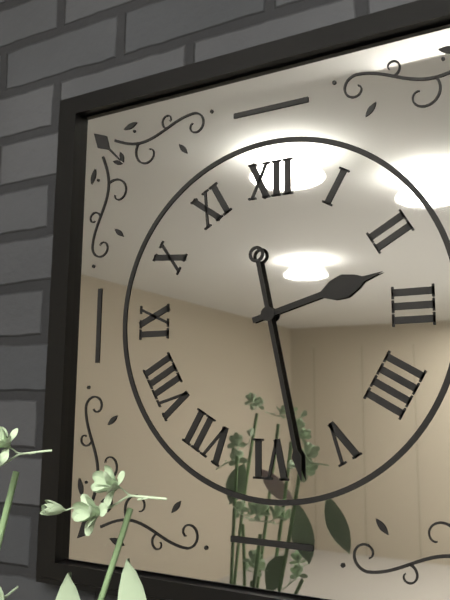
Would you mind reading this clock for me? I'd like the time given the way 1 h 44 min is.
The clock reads 2 h 28 min
